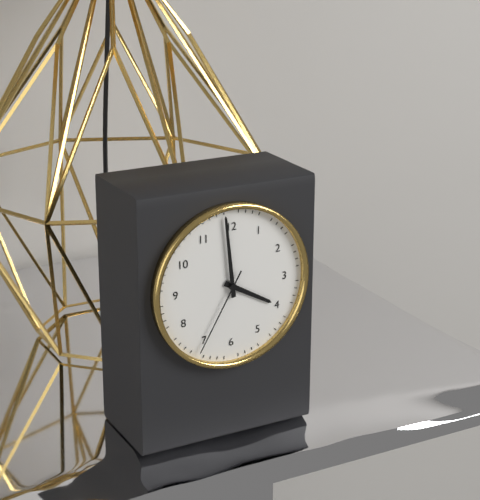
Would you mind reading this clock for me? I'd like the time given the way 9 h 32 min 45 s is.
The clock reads 3 h 59 min 35 s
